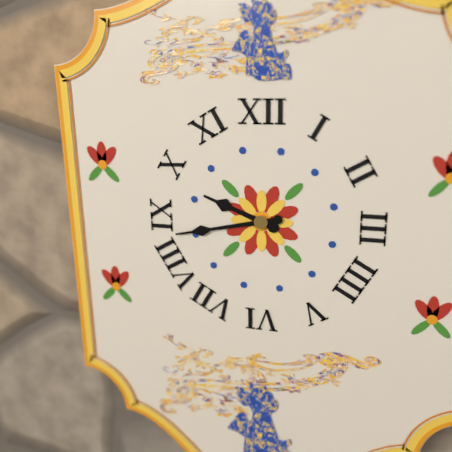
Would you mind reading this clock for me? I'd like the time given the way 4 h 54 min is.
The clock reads 9 h 43 min
